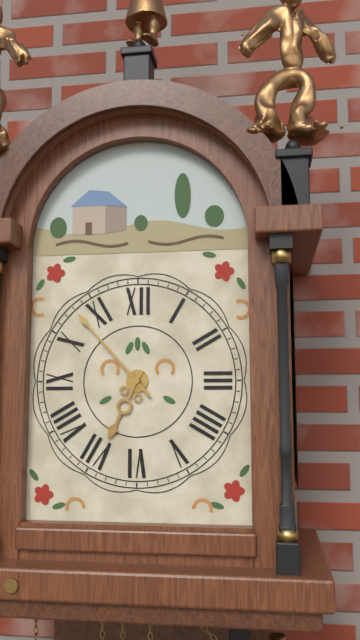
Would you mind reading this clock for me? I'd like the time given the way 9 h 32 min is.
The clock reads 6 h 53 min
